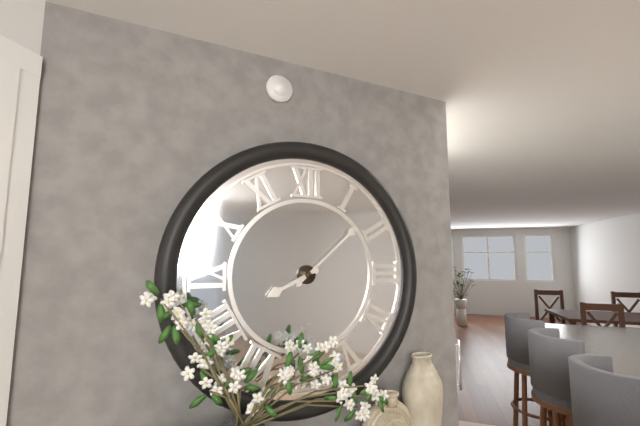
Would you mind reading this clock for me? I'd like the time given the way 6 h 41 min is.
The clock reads 8 h 08 min
